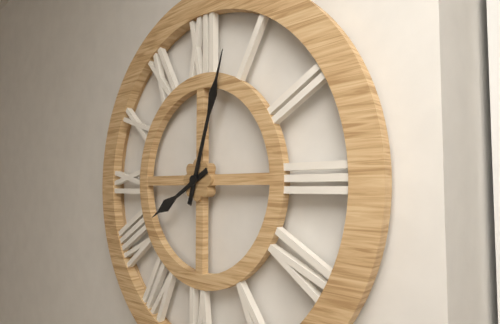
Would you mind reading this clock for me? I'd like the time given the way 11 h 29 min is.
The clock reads 8 h 03 min
